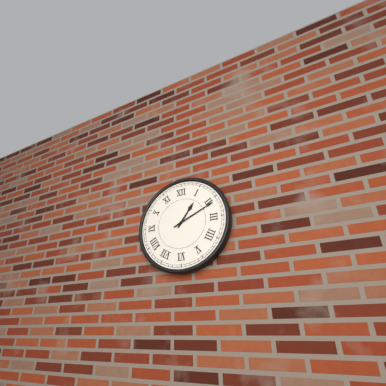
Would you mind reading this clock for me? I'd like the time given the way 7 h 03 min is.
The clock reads 1 h 11 min
